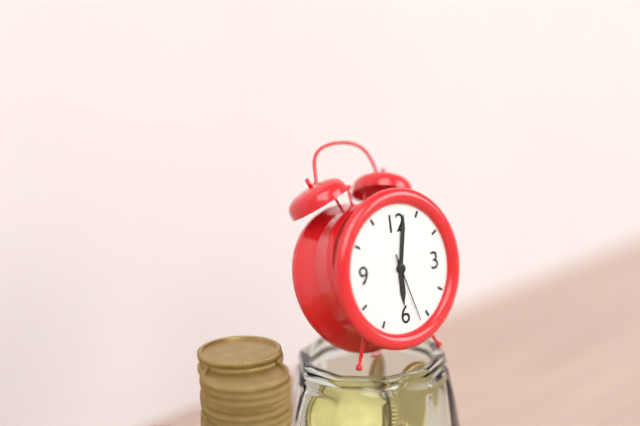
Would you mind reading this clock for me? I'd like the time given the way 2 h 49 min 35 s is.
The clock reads 6 h 02 min 27 s
